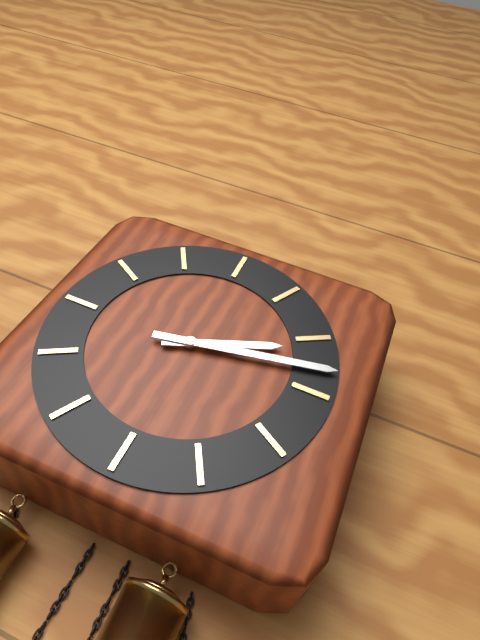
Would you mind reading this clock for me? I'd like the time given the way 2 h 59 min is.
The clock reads 2 h 13 min
